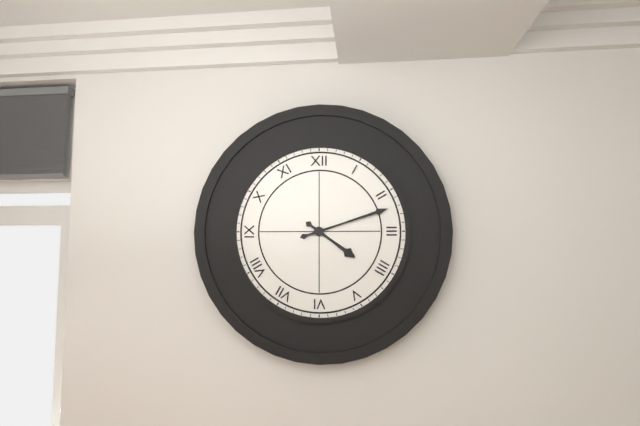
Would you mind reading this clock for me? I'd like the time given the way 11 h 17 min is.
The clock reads 4 h 12 min
